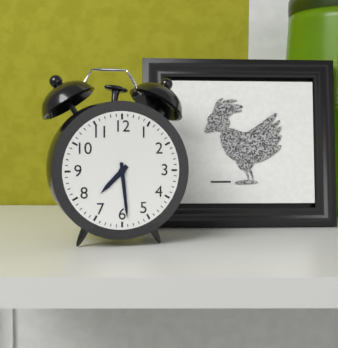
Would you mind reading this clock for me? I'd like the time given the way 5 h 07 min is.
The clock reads 7 h 29 min
